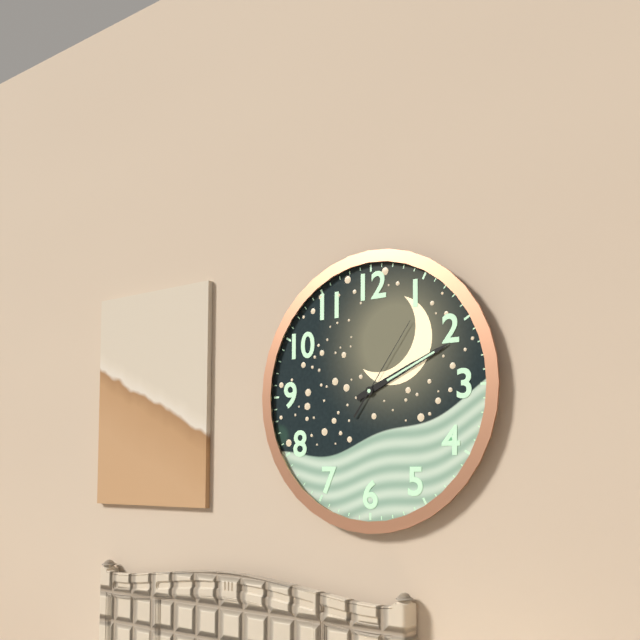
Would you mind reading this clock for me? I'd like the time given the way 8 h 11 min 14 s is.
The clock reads 2 h 11 min 06 s
